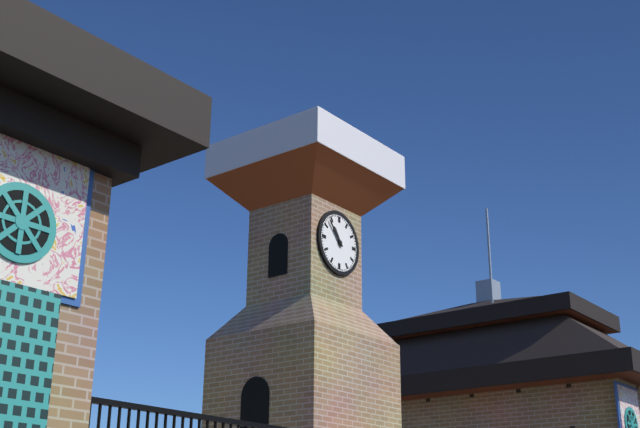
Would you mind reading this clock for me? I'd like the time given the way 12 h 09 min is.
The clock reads 10 h 53 min
